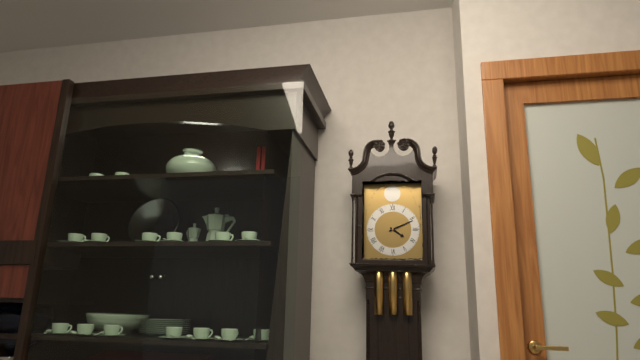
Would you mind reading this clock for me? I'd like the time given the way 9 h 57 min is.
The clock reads 4 h 11 min
